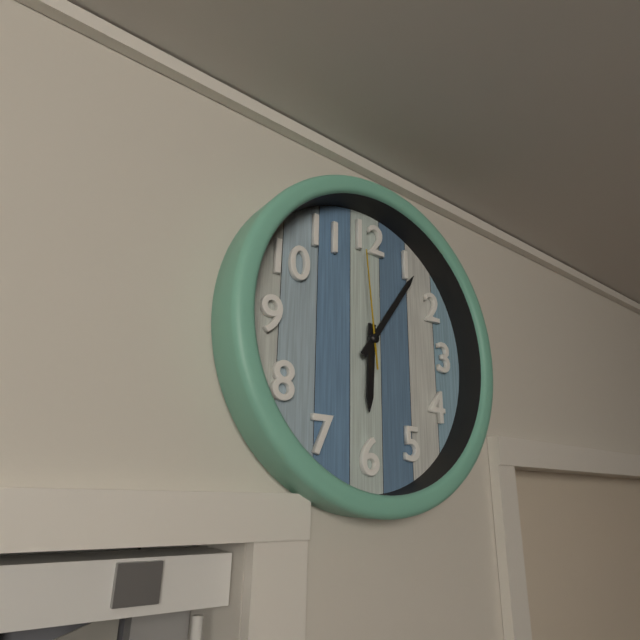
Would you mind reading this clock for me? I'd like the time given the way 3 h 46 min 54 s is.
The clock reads 6 h 06 min 59 s
